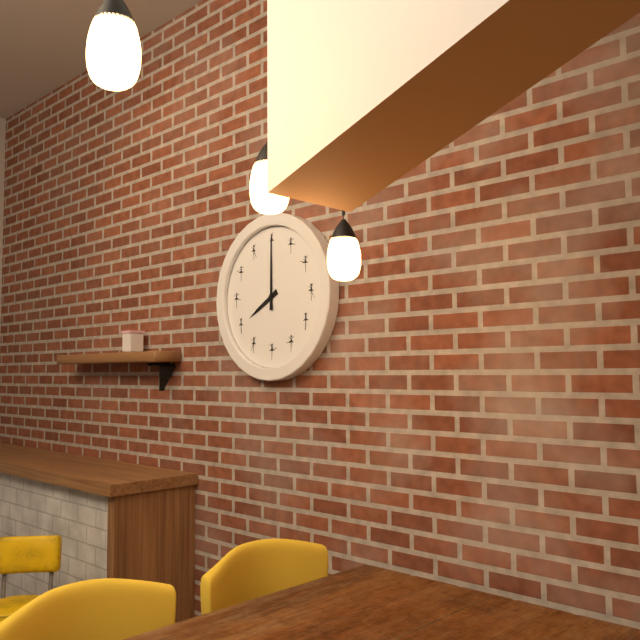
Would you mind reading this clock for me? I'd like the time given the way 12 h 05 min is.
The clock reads 8 h 00 min
